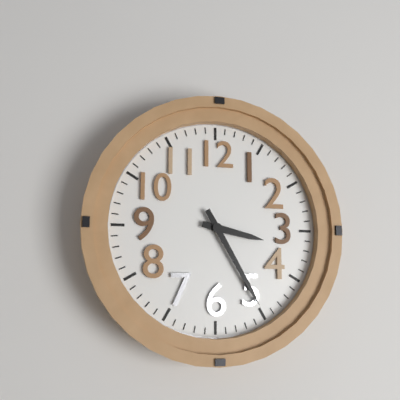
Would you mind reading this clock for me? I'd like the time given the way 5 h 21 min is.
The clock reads 3 h 25 min
